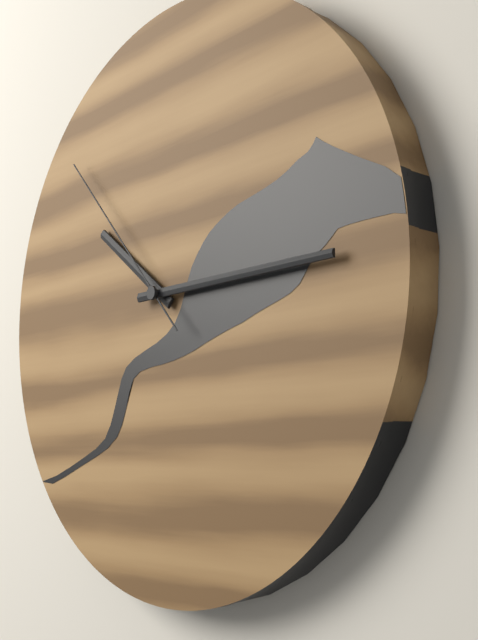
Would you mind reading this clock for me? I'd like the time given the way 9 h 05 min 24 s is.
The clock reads 10 h 15 min 53 s
